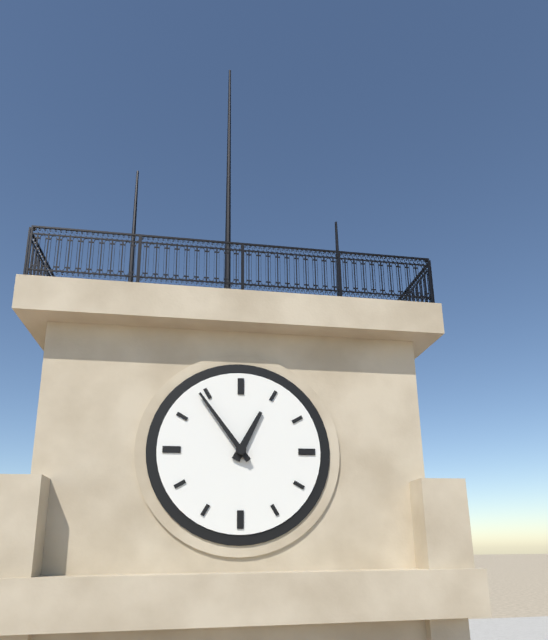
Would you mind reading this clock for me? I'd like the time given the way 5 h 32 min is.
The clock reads 12 h 54 min
